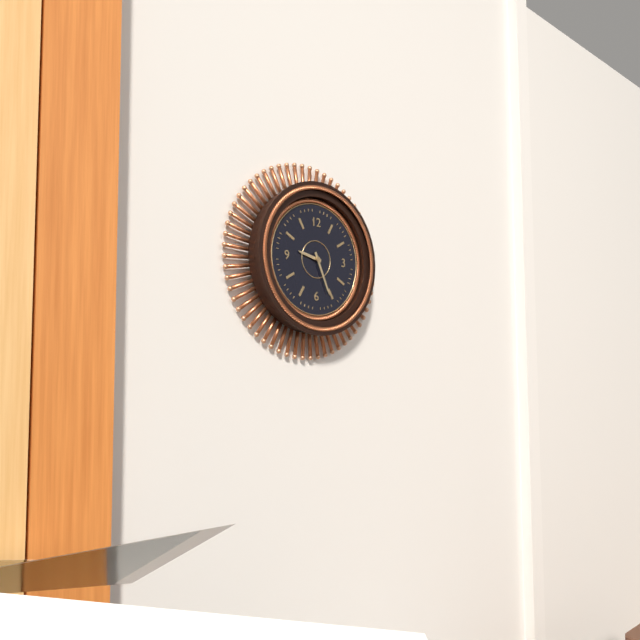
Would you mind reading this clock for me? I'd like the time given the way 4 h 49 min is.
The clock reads 9 h 26 min
